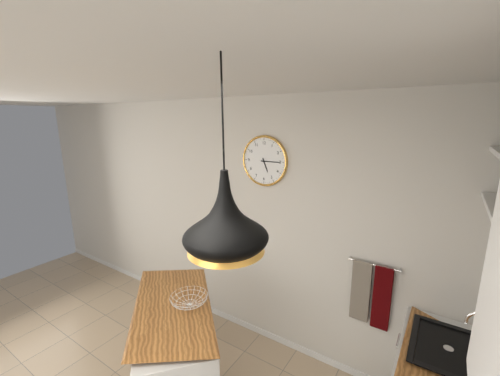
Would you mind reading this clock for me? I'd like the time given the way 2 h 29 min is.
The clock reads 5 h 15 min
